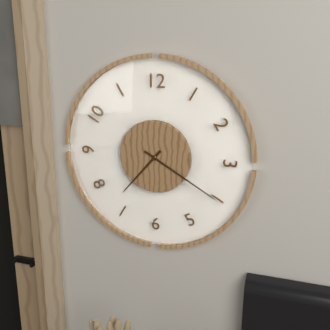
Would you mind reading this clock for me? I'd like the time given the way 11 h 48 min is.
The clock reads 7 h 20 min
